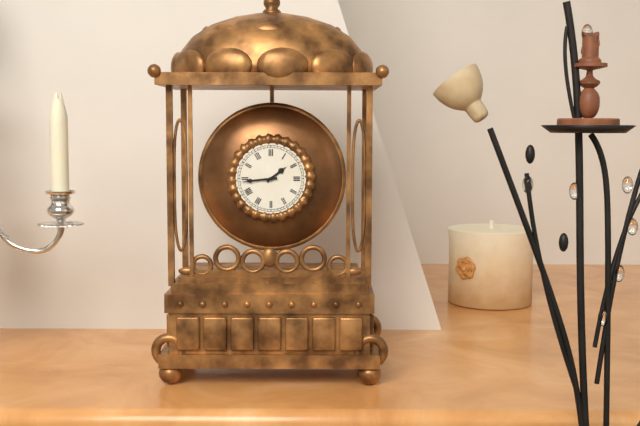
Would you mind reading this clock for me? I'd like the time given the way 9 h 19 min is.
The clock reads 1 h 44 min
